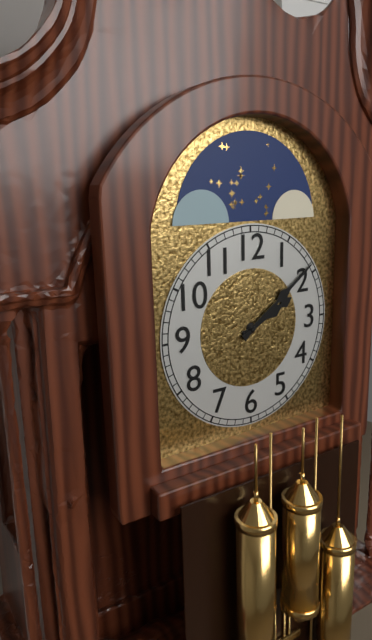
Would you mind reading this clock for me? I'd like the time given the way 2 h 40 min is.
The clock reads 2 h 09 min
